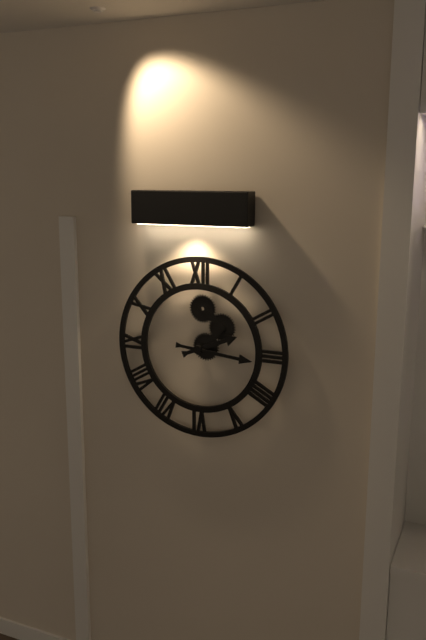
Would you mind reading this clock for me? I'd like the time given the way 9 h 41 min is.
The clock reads 2 h 16 min
